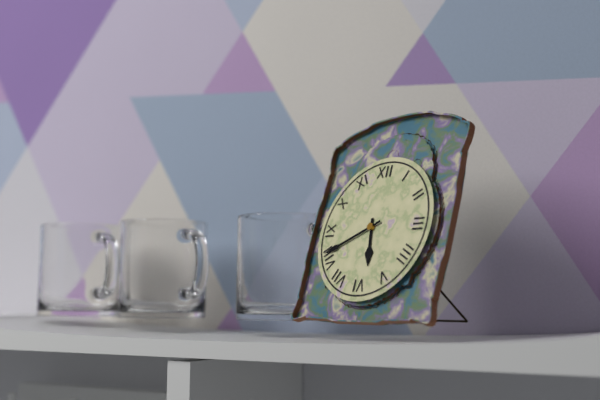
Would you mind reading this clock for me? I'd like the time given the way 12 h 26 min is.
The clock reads 5 h 41 min
